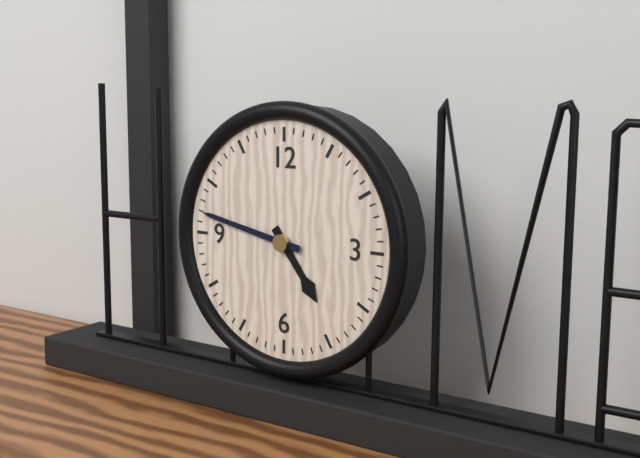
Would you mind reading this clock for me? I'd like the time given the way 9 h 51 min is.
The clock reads 4 h 47 min
